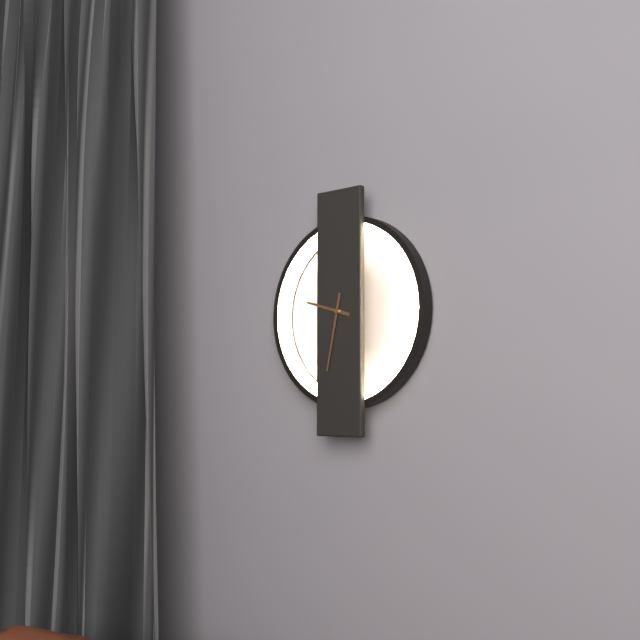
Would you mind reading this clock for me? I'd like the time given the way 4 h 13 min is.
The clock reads 9 h 32 min
